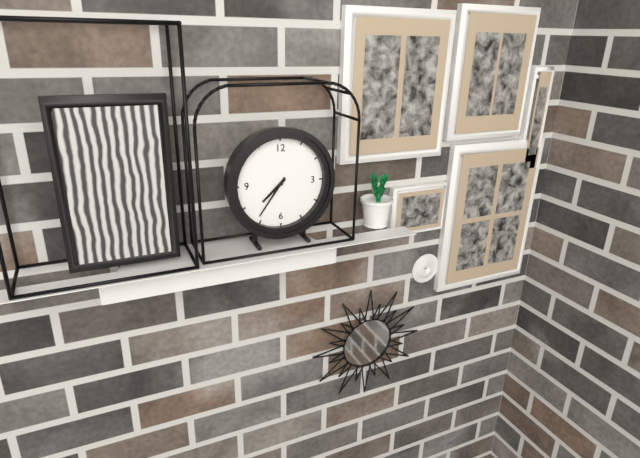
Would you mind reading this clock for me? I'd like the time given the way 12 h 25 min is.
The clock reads 7 h 36 min
